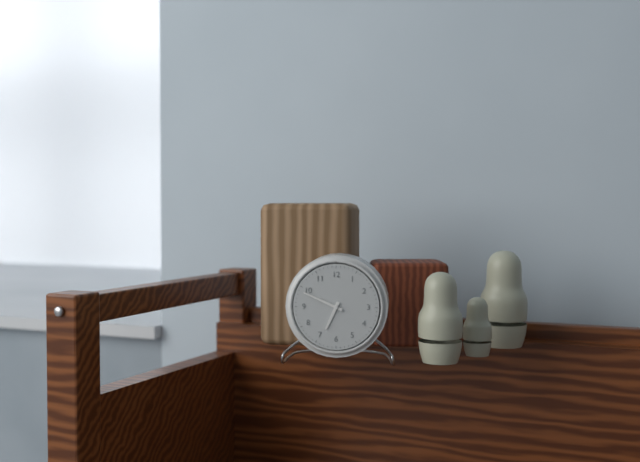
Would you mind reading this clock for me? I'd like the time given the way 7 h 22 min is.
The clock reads 6 h 49 min
